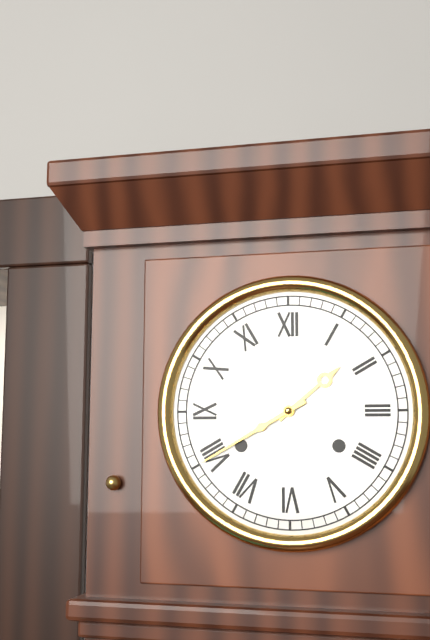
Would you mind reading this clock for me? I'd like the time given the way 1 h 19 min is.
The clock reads 1 h 40 min
